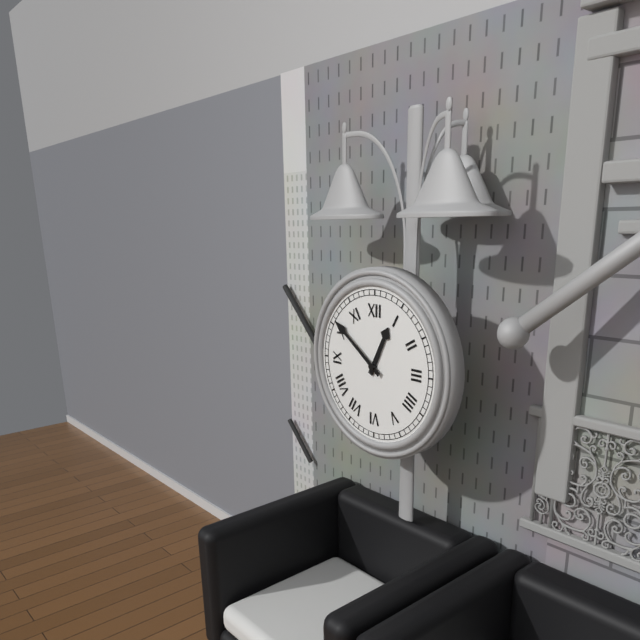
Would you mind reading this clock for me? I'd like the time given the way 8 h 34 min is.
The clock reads 12 h 51 min
